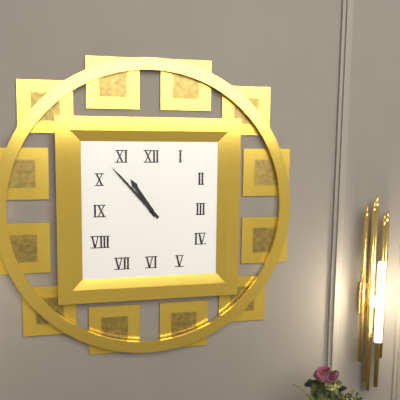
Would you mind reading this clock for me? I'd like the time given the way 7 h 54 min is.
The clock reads 10 h 53 min
